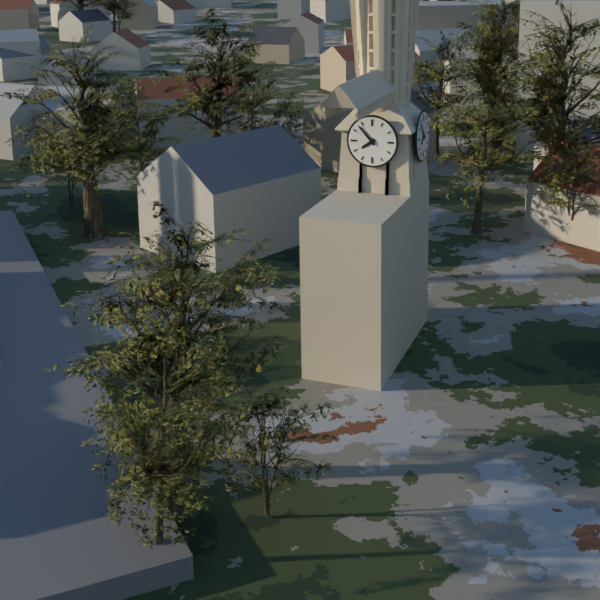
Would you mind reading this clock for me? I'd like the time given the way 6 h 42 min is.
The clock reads 7 h 53 min
